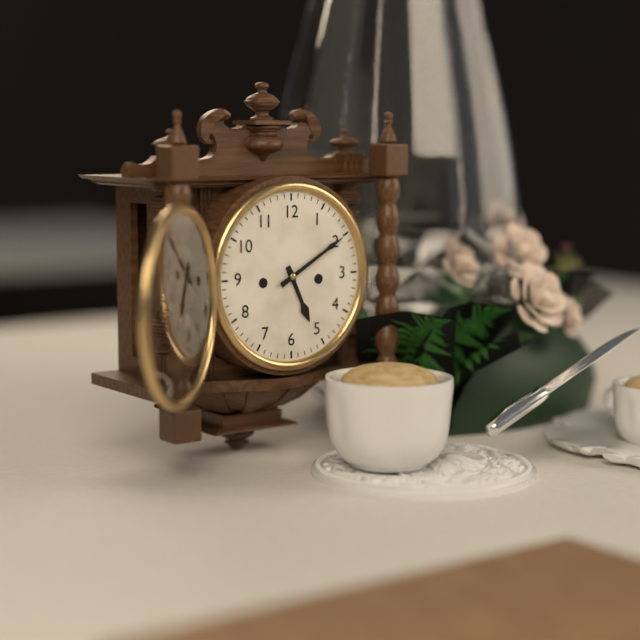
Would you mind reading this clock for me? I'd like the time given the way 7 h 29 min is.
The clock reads 5 h 10 min
